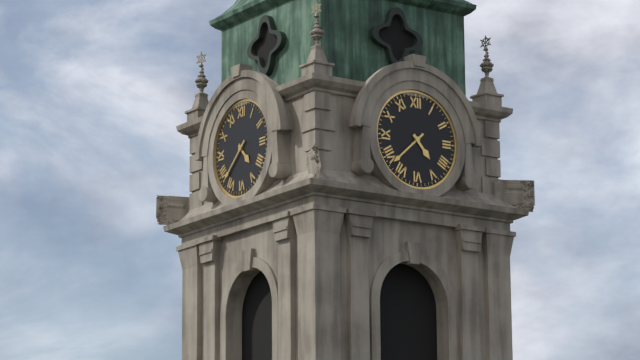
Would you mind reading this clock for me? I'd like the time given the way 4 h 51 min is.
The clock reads 4 h 38 min
